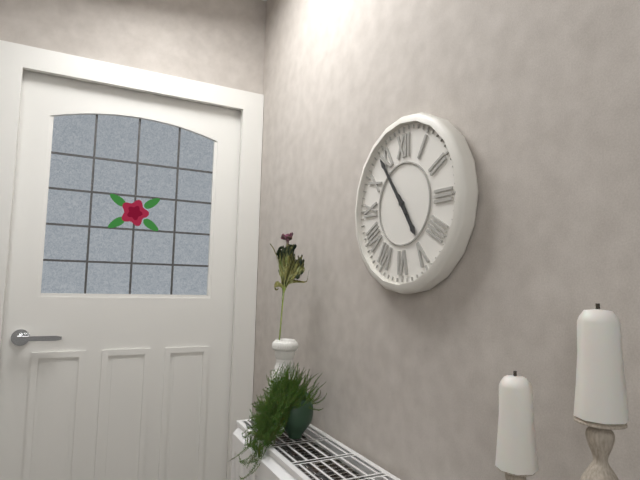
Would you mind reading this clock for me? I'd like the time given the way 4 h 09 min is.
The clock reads 4 h 54 min
